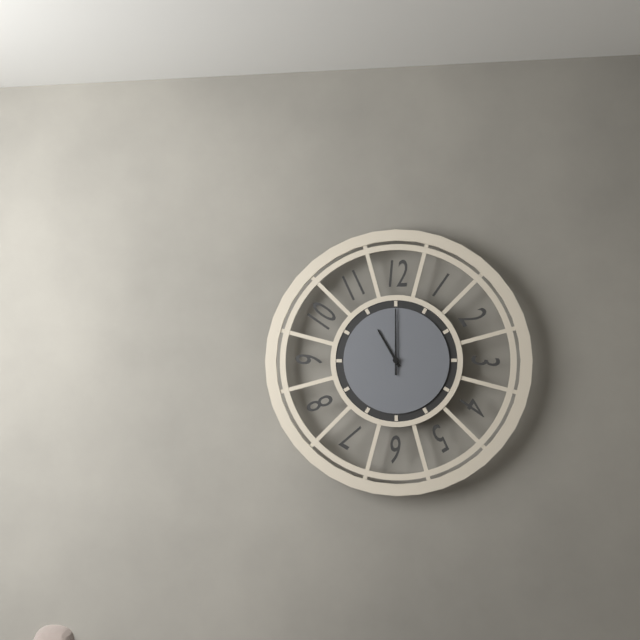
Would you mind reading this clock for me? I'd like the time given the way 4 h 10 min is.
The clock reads 11 h 00 min
